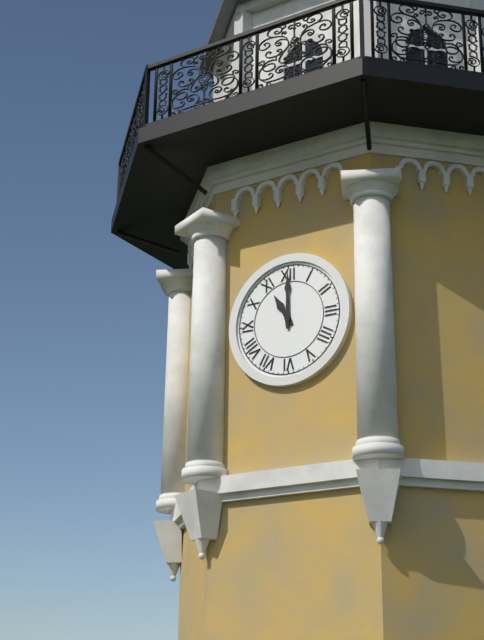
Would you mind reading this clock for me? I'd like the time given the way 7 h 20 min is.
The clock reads 11 h 00 min
